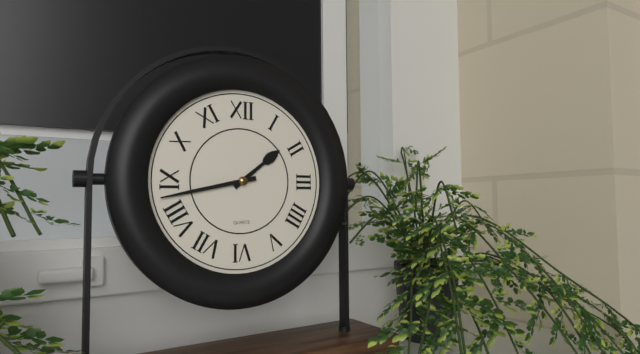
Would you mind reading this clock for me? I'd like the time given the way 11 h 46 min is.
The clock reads 1 h 43 min
